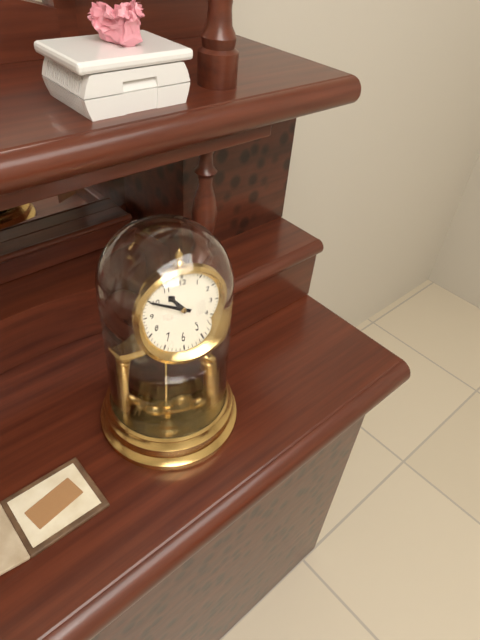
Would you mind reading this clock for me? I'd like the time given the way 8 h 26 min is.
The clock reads 10 h 50 min
